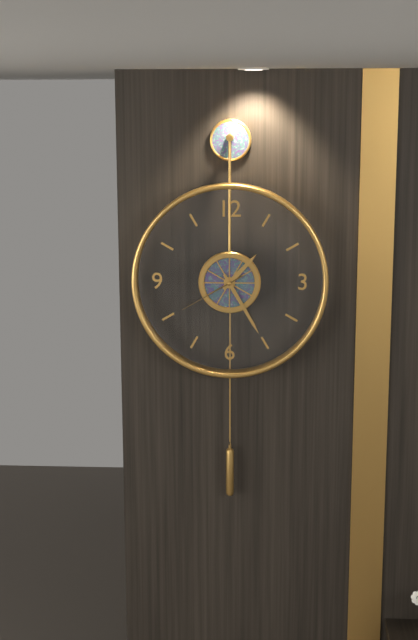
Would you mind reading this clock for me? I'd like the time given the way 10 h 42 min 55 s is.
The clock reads 1 h 25 min 40 s
